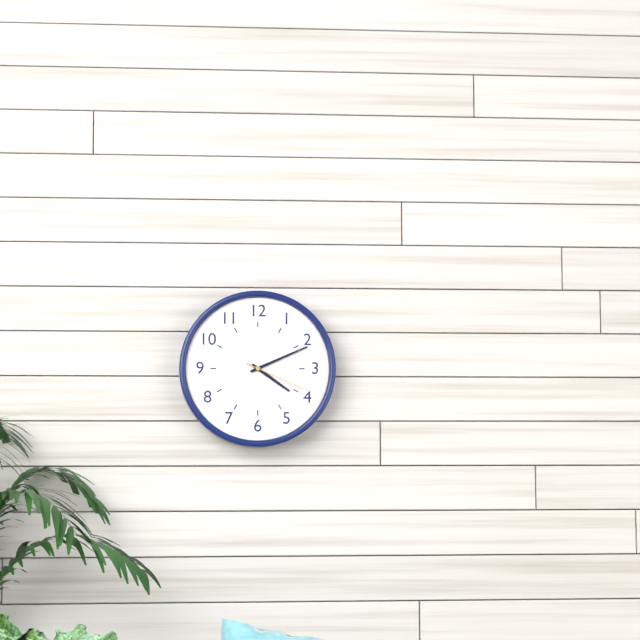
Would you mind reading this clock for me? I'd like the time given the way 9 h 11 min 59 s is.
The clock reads 4 h 11 min 19 s
